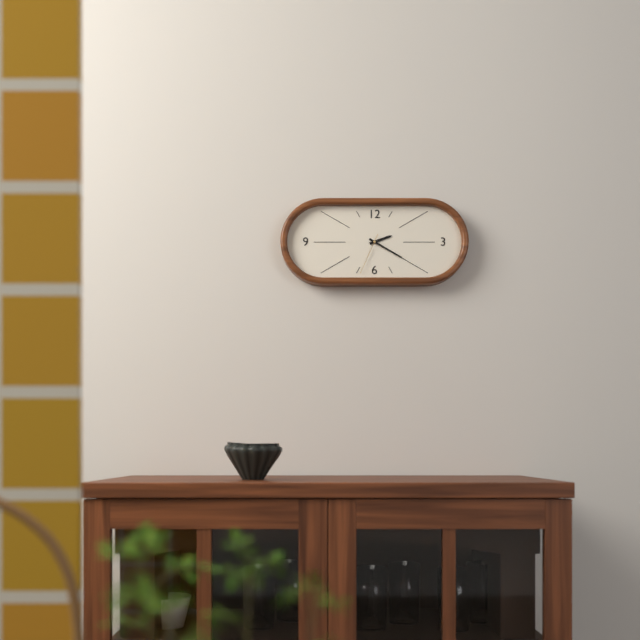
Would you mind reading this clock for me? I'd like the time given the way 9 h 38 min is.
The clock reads 2 h 20 min
